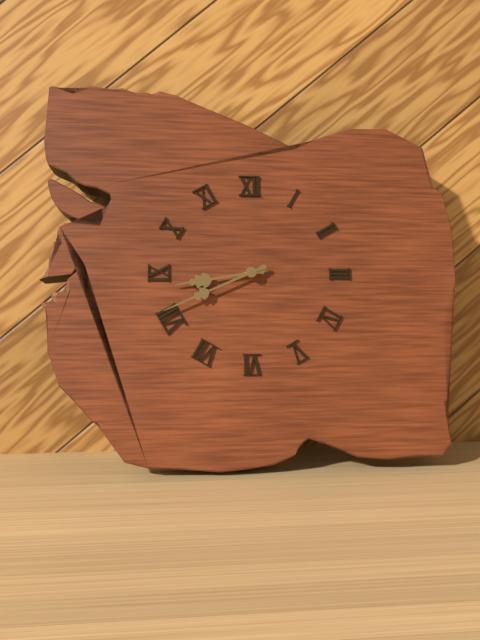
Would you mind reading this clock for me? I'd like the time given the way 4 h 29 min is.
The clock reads 8 h 41 min
